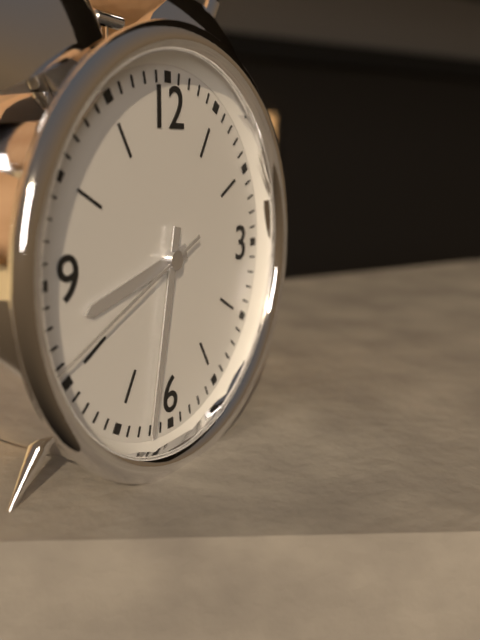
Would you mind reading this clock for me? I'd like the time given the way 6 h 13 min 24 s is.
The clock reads 8 h 32 min 41 s
